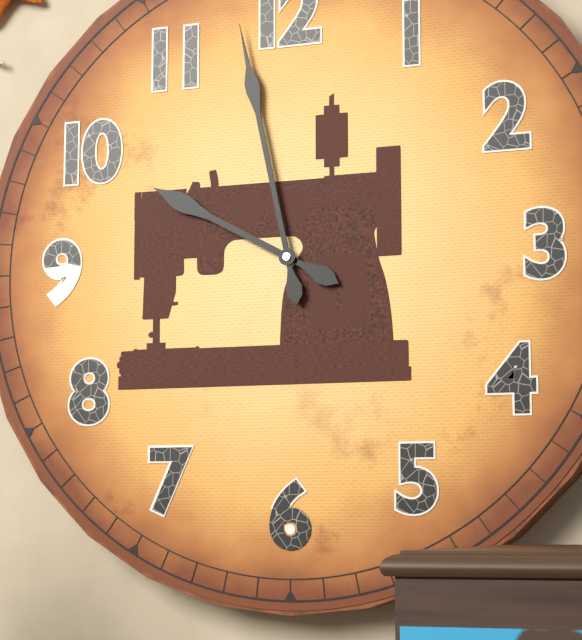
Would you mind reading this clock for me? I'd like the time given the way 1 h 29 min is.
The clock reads 9 h 58 min
